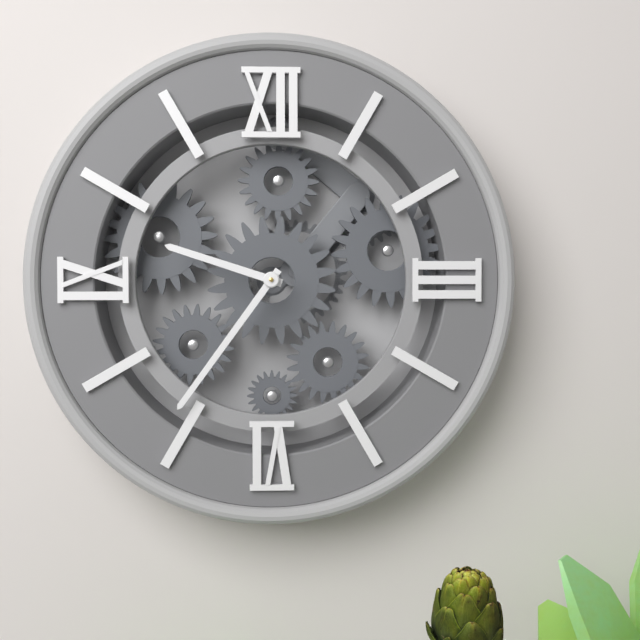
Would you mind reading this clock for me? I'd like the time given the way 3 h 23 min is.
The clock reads 9 h 36 min
